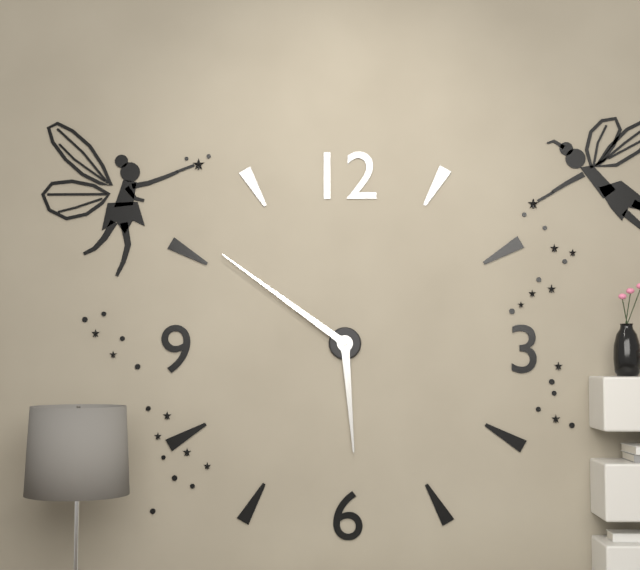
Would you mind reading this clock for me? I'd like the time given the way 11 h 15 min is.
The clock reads 5 h 51 min
